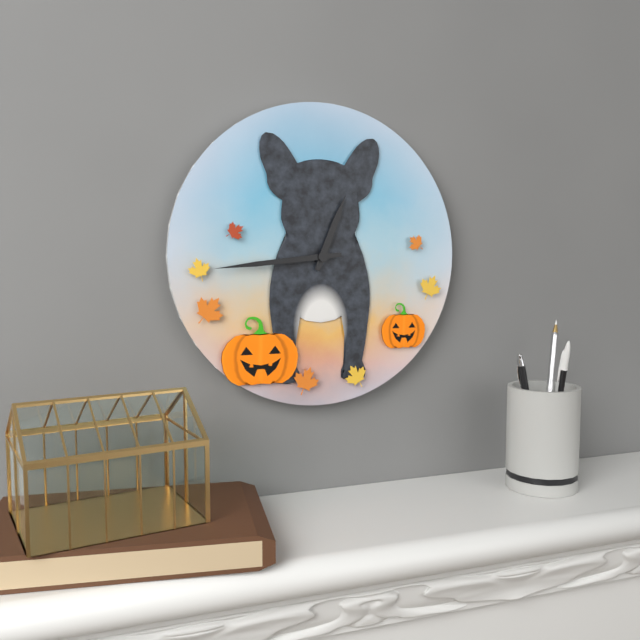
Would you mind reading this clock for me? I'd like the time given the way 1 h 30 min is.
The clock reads 12 h 44 min
